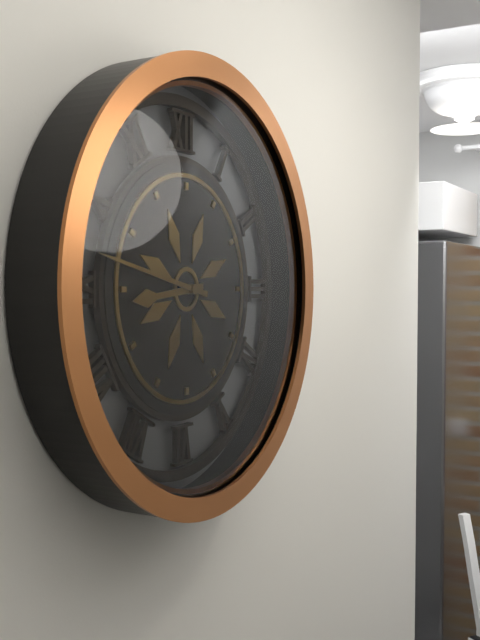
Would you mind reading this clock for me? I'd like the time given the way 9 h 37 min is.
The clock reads 8 h 47 min
